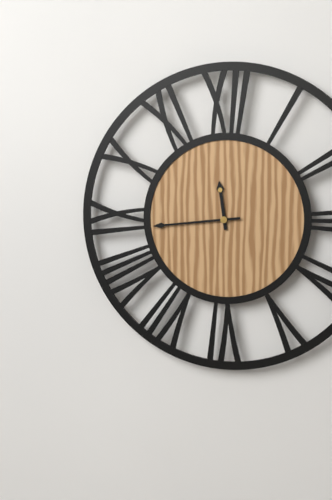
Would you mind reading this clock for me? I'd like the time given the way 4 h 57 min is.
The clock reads 11 h 44 min
